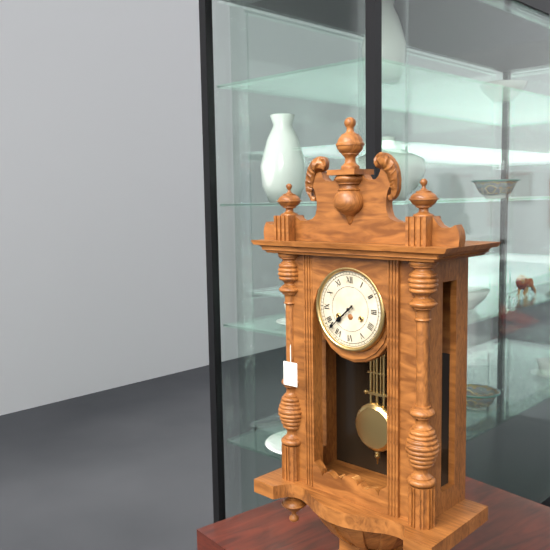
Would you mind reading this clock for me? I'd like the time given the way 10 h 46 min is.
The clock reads 7 h 38 min
